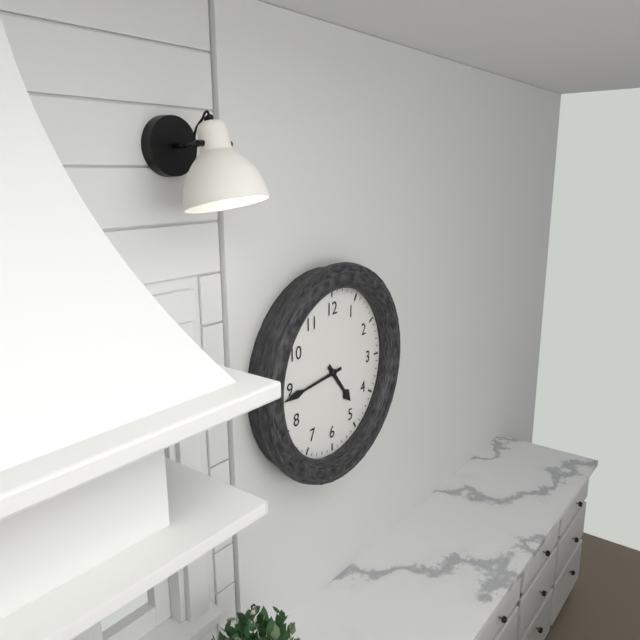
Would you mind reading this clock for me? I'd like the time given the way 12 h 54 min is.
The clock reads 4 h 44 min
